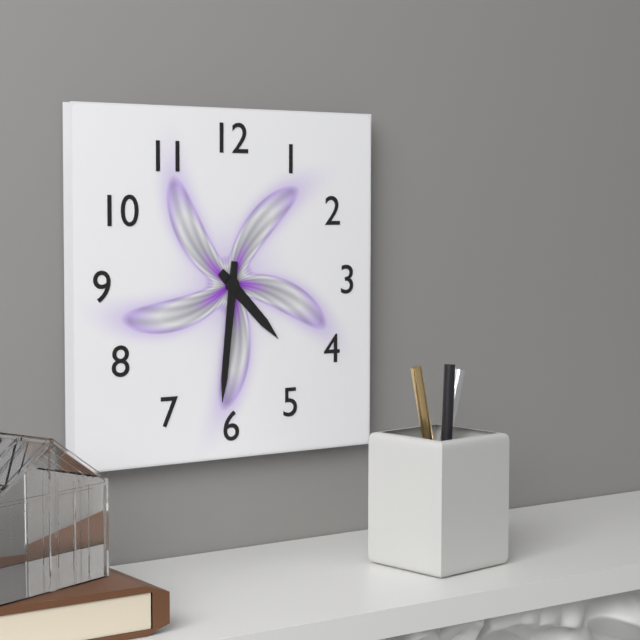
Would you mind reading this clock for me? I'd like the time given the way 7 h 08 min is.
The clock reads 4 h 31 min
